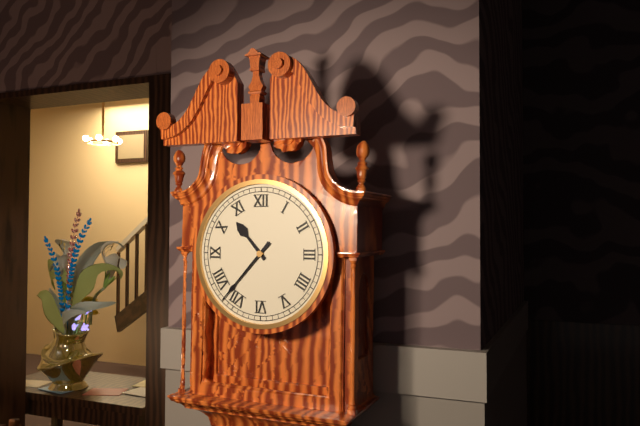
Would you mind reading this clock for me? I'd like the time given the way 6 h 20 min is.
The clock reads 10 h 37 min
